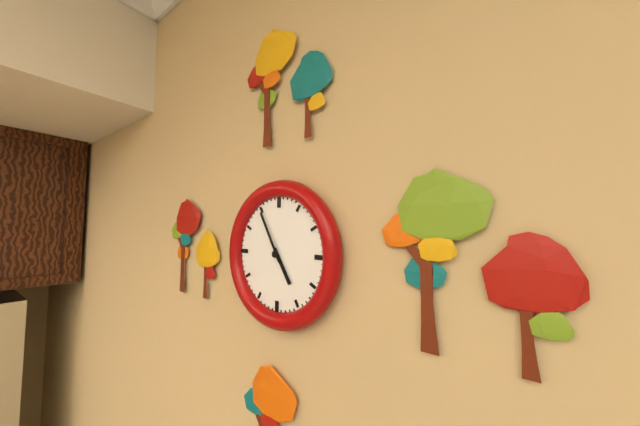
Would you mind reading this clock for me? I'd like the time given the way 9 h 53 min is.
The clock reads 4 h 55 min
